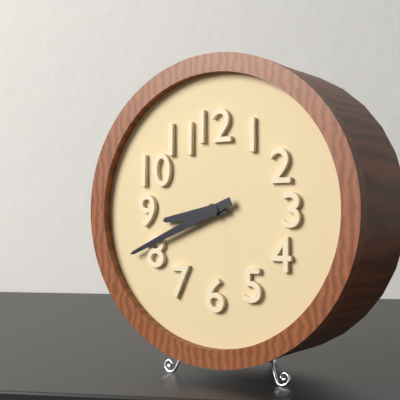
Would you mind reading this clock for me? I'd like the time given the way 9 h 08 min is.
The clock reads 8 h 41 min
